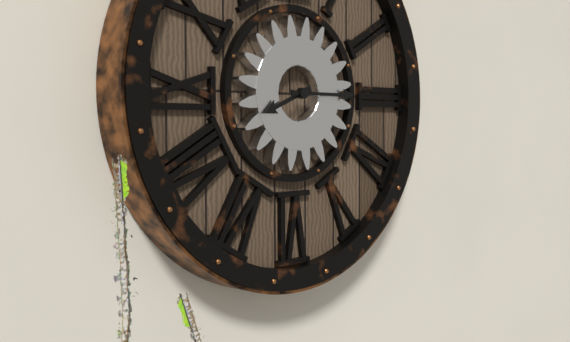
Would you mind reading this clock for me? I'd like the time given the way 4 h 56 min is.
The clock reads 8 h 15 min
